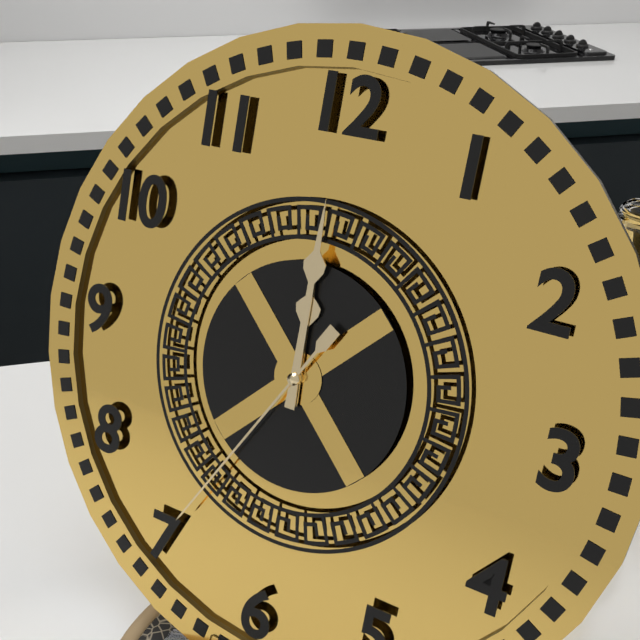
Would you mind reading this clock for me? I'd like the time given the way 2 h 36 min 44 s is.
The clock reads 12 h 00 min 35 s
